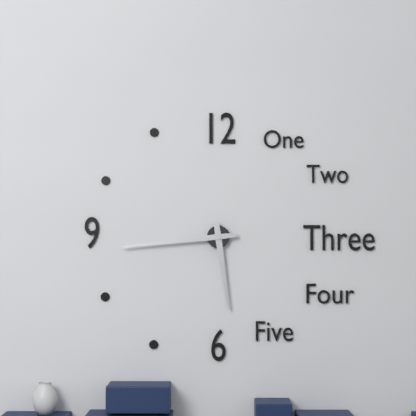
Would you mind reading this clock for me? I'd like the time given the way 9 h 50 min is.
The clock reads 5 h 44 min
